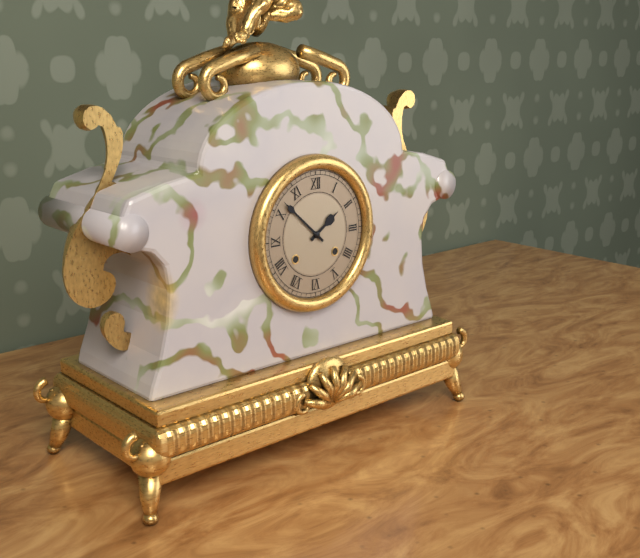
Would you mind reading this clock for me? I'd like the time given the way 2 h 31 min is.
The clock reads 1 h 52 min
